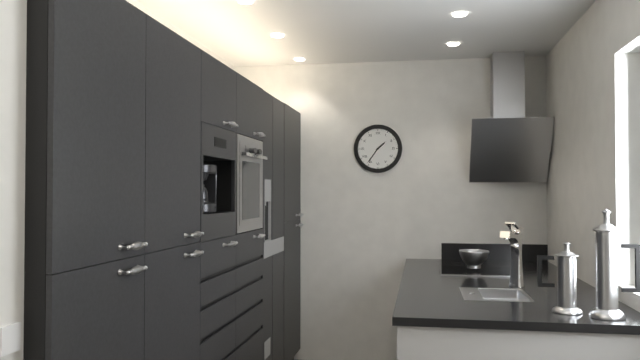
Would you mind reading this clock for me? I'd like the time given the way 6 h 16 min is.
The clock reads 1 h 36 min
